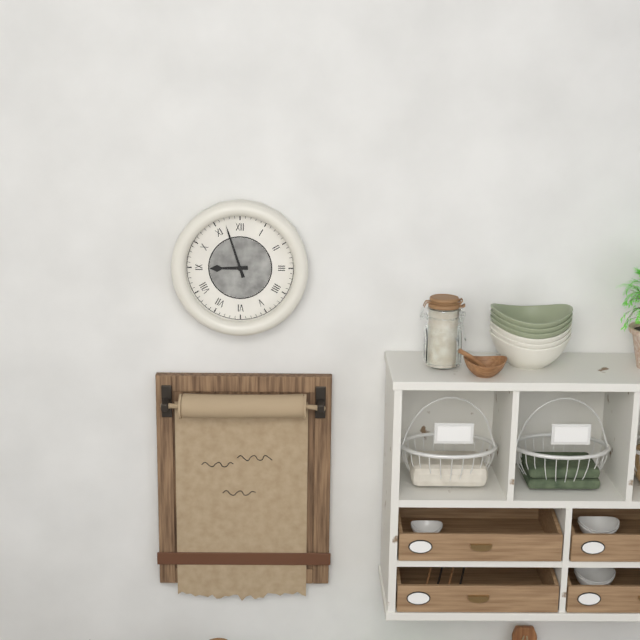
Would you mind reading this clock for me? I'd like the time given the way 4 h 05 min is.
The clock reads 8 h 57 min
